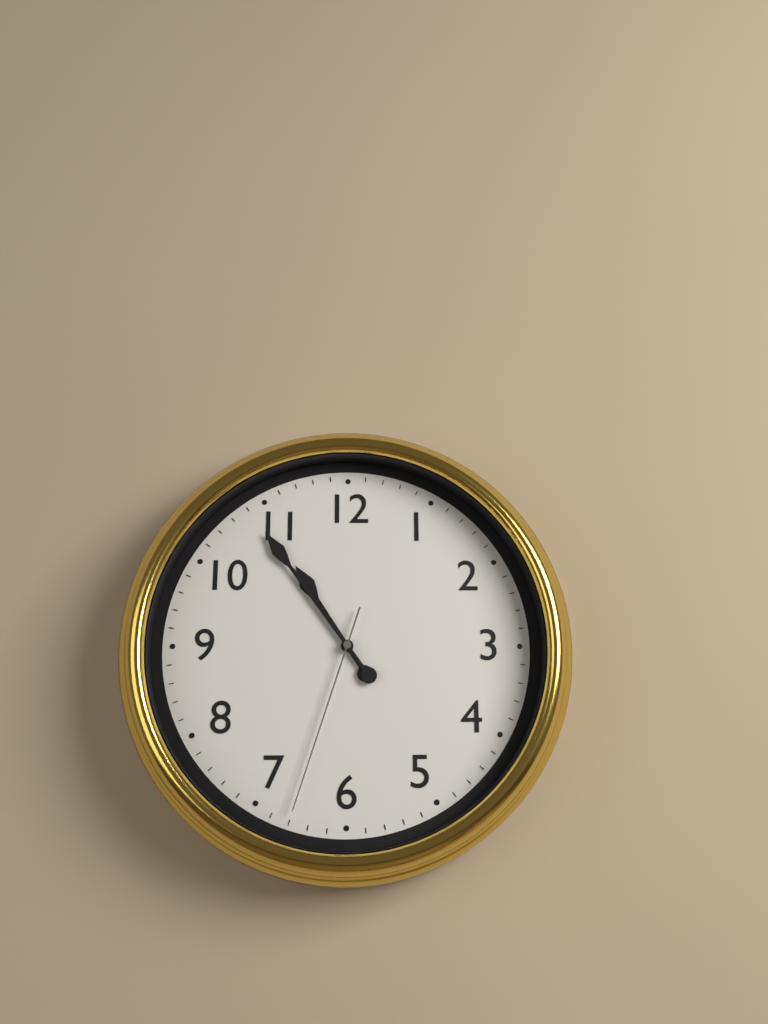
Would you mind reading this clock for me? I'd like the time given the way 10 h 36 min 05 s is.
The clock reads 10 h 54 min 33 s
